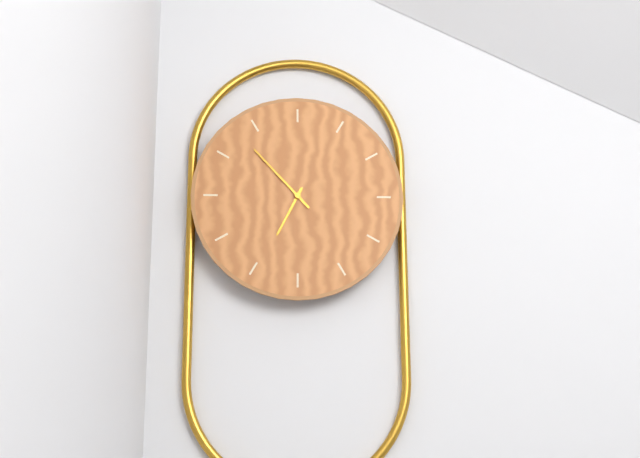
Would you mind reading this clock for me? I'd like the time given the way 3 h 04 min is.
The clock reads 6 h 53 min
